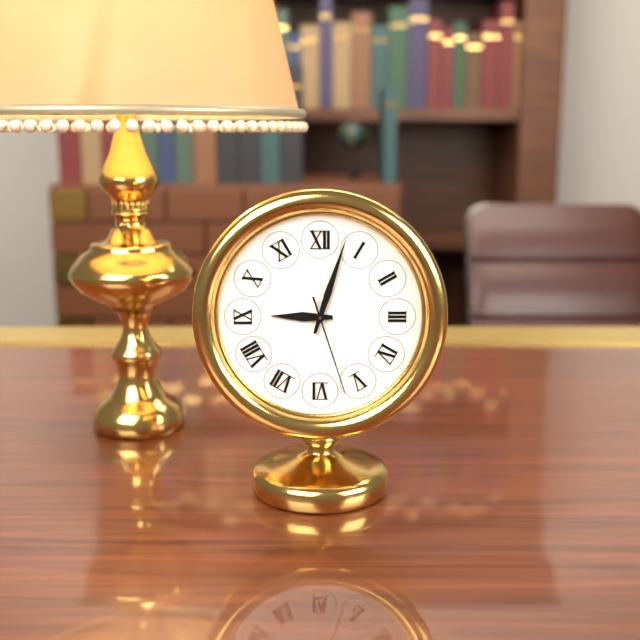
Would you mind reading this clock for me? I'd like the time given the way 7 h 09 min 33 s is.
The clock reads 9 h 03 min 27 s
